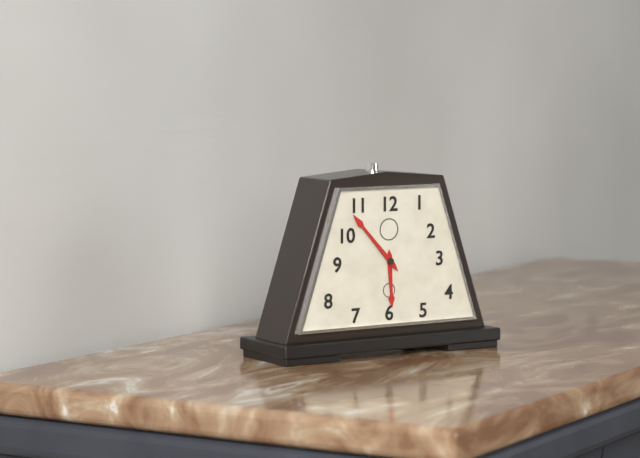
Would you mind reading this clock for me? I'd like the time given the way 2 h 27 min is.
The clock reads 5 h 53 min
